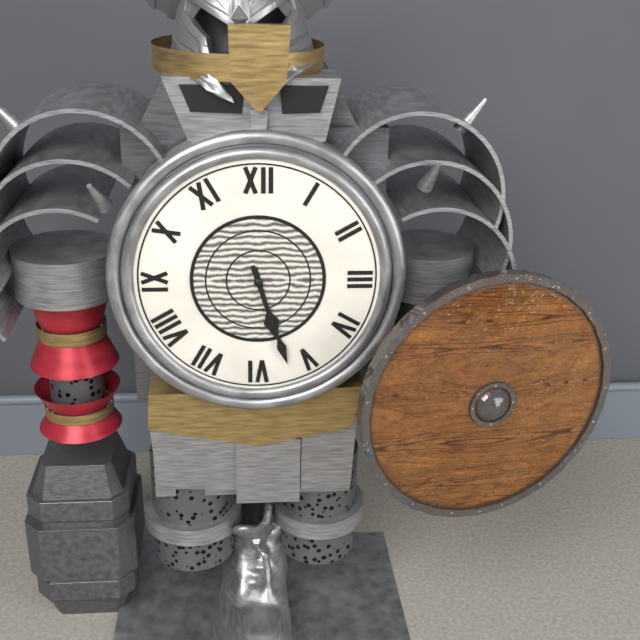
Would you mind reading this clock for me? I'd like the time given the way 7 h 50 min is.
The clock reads 5 h 27 min
